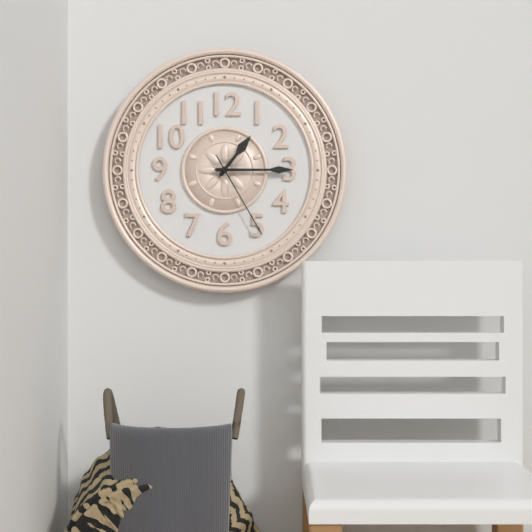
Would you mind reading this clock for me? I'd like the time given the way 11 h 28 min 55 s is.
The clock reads 1 h 15 min 25 s
